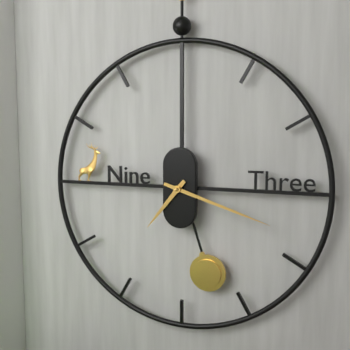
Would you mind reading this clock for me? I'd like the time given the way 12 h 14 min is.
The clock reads 7 h 18 min
